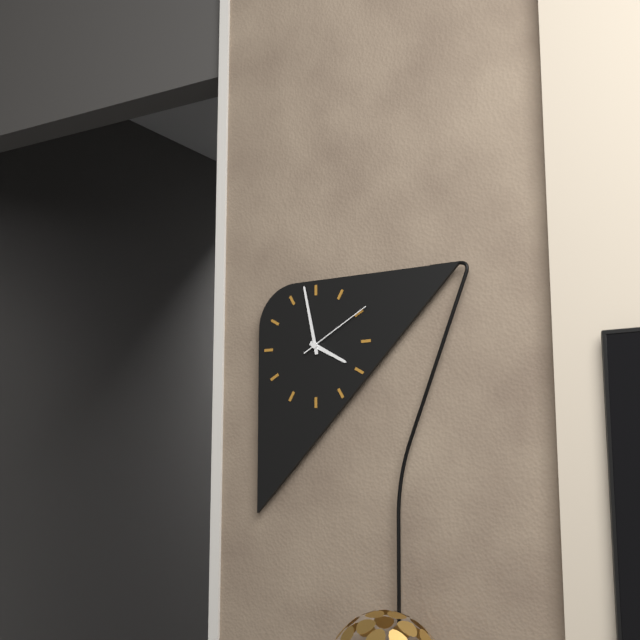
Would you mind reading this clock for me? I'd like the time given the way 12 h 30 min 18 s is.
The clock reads 3 h 58 min 10 s
